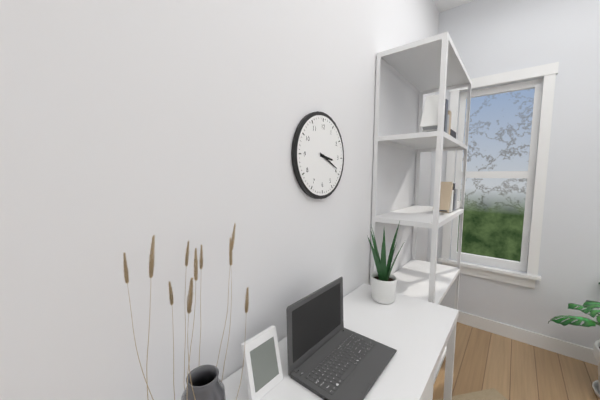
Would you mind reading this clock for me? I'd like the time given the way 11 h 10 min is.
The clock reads 3 h 19 min
